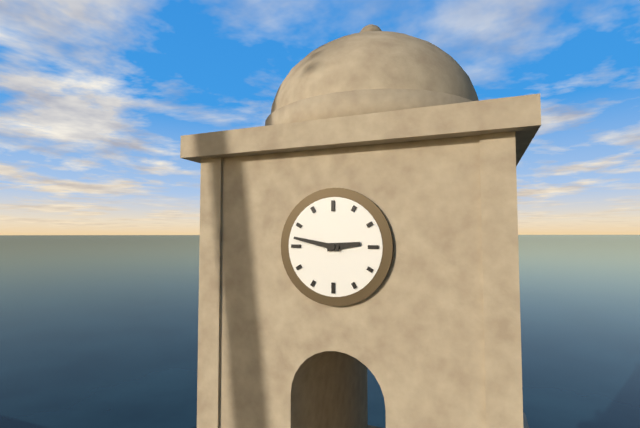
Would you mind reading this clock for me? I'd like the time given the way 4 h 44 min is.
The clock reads 2 h 47 min
